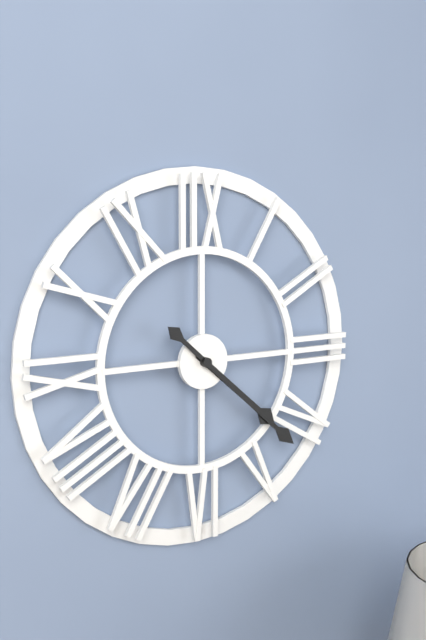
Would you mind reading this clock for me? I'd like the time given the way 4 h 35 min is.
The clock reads 4 h 22 min
